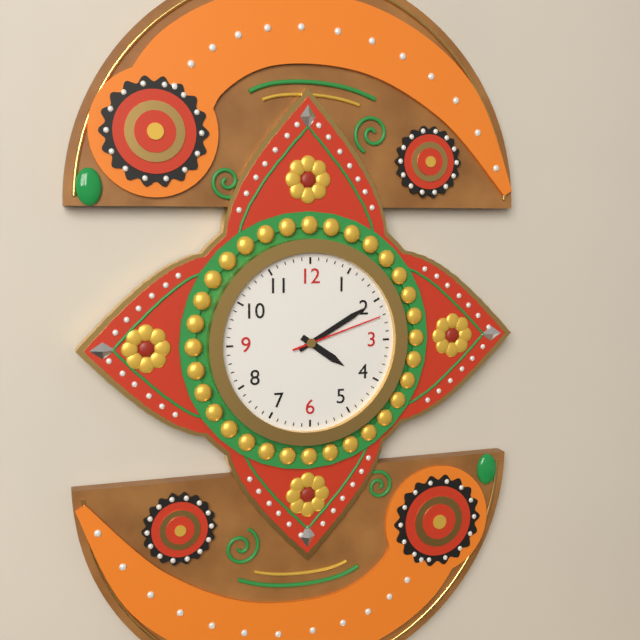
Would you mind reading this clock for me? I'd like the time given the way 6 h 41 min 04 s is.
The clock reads 4 h 10 min 12 s
